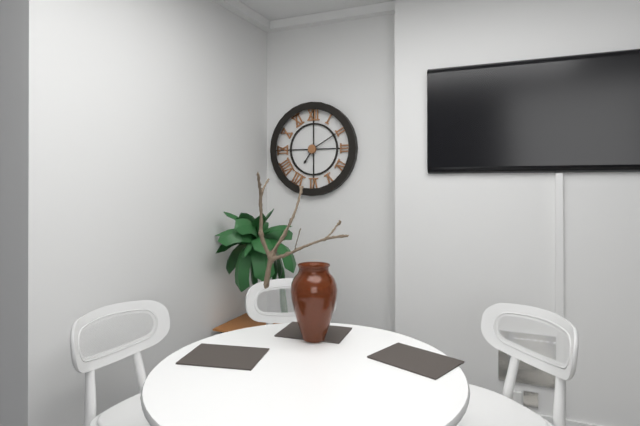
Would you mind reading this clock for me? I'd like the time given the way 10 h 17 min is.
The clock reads 7 h 10 min
